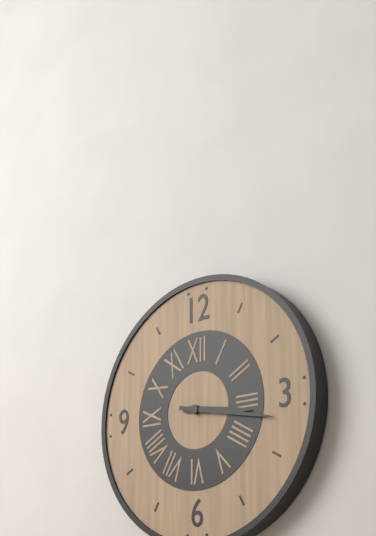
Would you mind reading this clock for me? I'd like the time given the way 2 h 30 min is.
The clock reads 3 h 17 min
